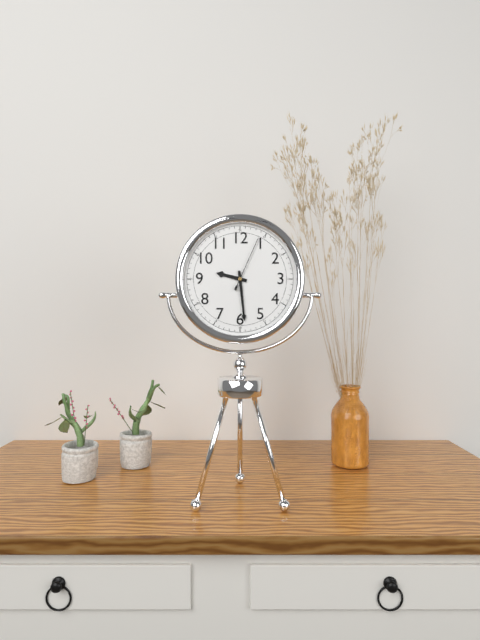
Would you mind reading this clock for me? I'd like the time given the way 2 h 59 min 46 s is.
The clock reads 9 h 29 min 04 s
